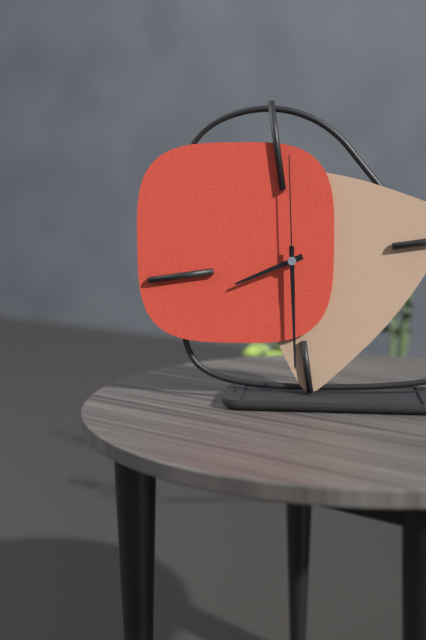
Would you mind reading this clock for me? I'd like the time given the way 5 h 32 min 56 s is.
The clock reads 8 h 31 min 01 s
